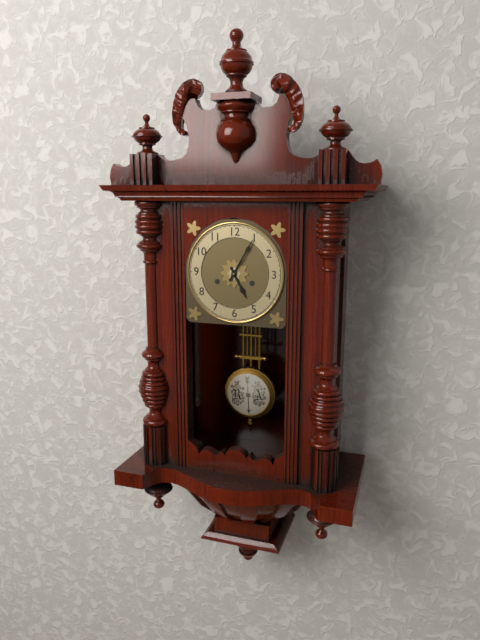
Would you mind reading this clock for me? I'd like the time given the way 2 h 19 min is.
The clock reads 5 h 05 min
